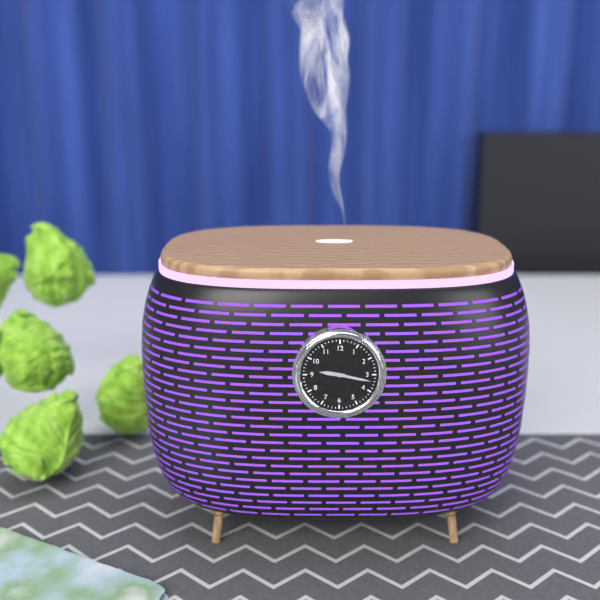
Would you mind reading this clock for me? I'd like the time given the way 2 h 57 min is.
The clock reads 9 h 17 min
